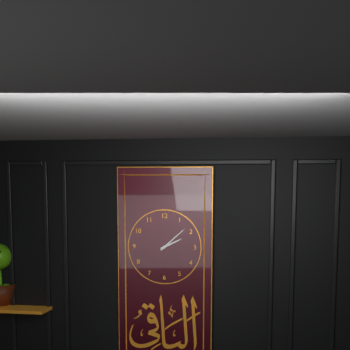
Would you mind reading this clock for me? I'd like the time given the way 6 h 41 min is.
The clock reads 2 h 08 min
